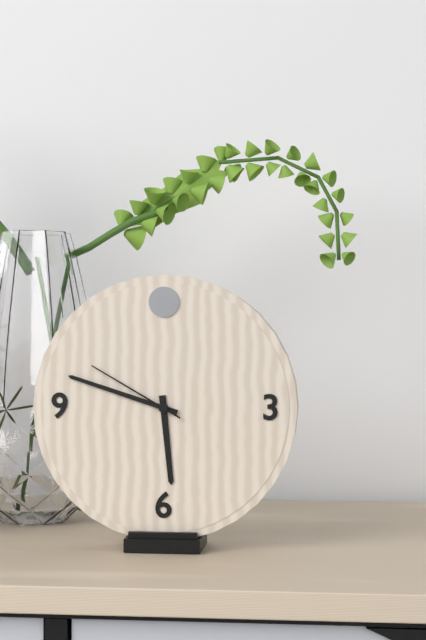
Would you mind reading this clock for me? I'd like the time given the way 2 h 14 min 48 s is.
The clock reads 5 h 48 min 50 s
